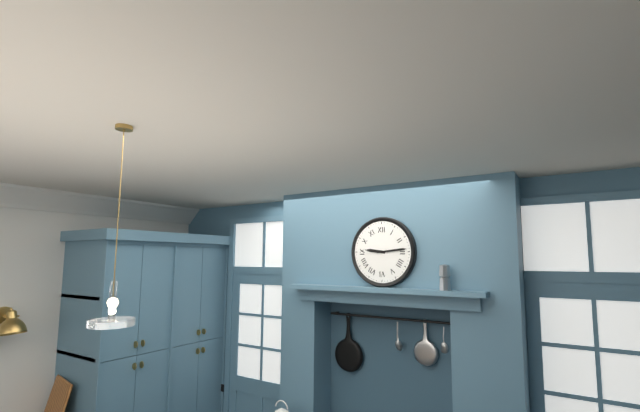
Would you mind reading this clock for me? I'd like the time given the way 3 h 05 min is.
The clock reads 9 h 14 min
